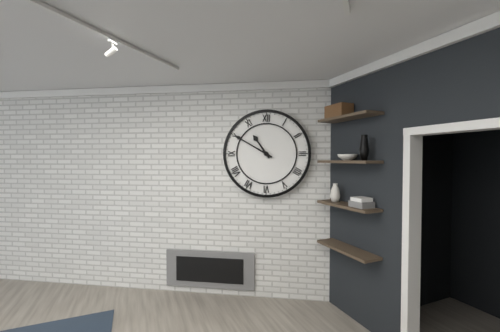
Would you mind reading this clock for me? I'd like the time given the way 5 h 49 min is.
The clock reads 10 h 50 min
